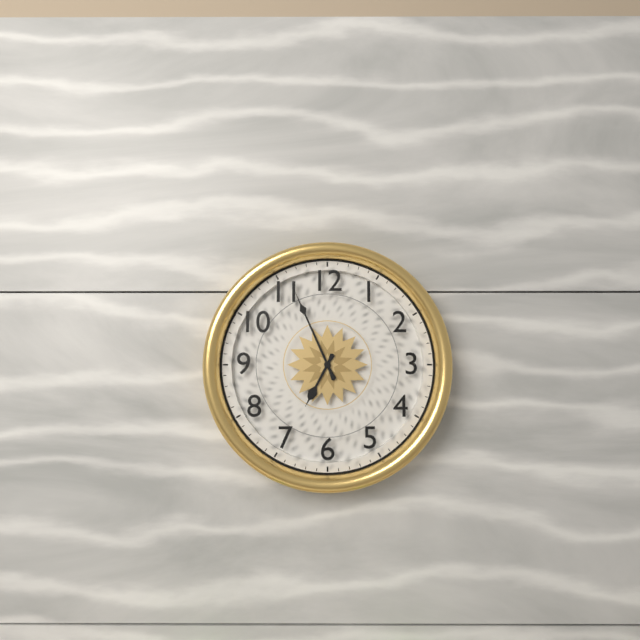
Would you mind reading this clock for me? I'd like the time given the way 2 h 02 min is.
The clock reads 6 h 56 min
